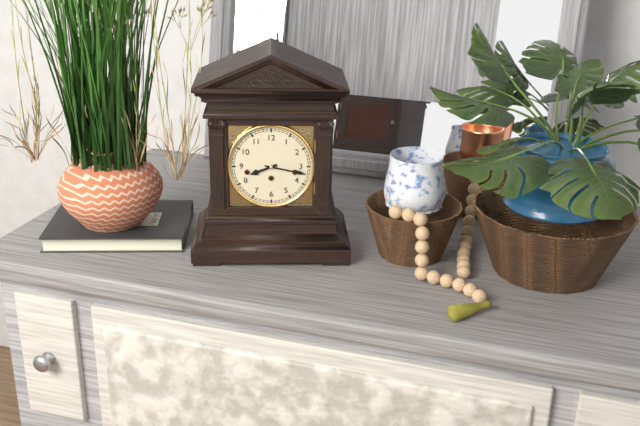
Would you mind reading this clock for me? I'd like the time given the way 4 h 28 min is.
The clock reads 8 h 17 min
